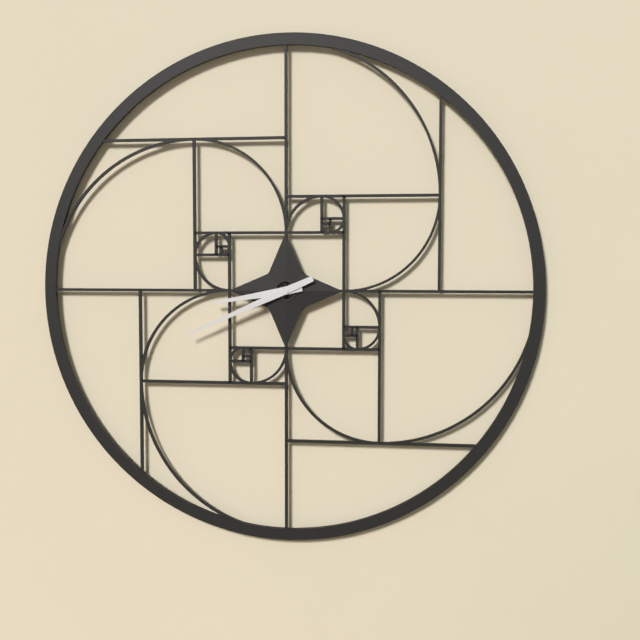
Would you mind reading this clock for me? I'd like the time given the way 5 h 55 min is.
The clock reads 8 h 41 min
